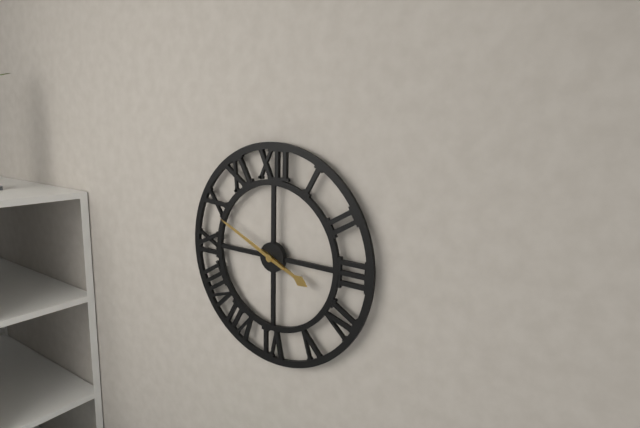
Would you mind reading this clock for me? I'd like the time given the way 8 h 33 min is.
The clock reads 3 h 49 min
